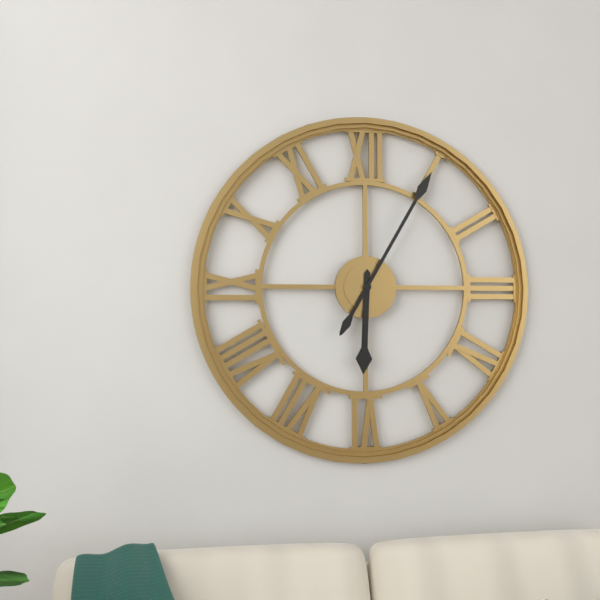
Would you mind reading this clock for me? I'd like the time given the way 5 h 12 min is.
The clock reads 6 h 05 min
